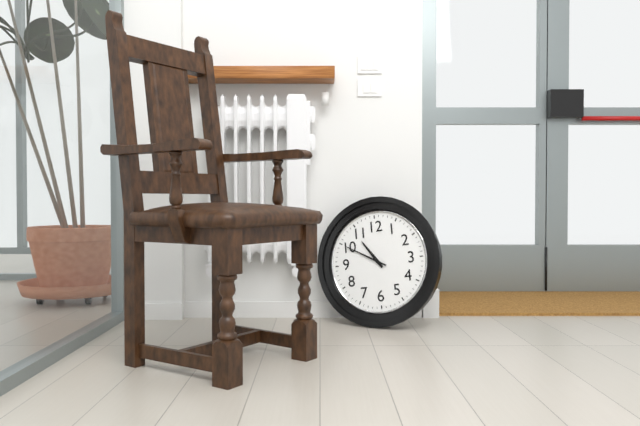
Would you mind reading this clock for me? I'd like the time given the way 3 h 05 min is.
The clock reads 10 h 50 min
